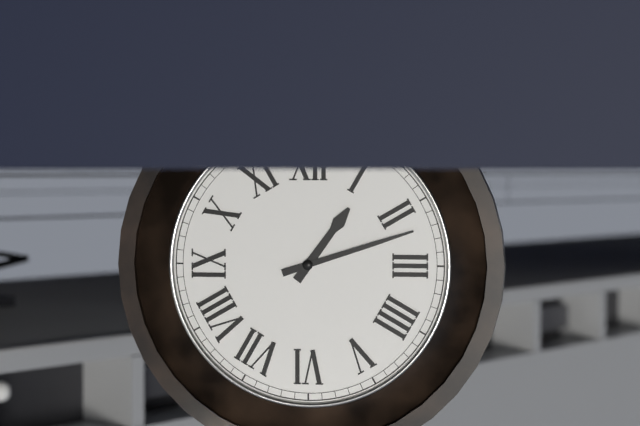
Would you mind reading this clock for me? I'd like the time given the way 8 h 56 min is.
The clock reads 1 h 12 min
